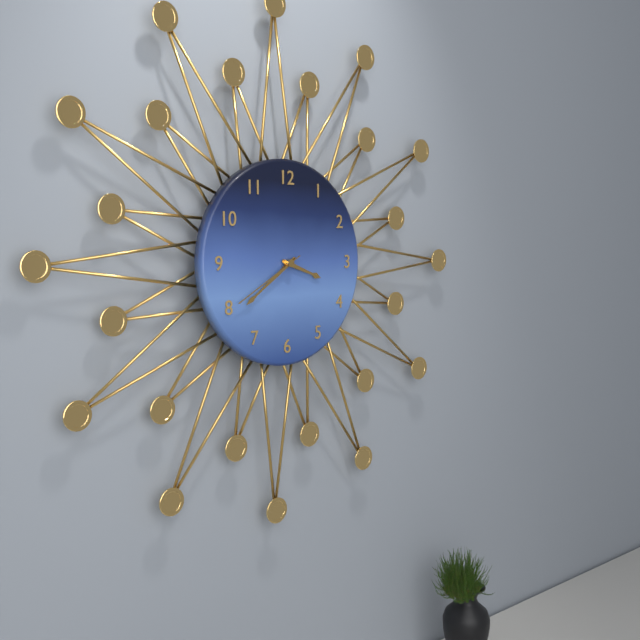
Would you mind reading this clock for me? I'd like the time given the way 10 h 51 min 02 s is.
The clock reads 3 h 39 min 40 s
